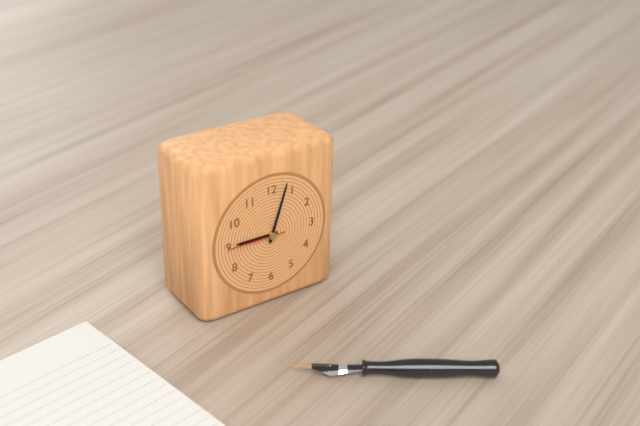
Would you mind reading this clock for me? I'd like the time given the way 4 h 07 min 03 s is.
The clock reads 9 h 03 min 45 s
